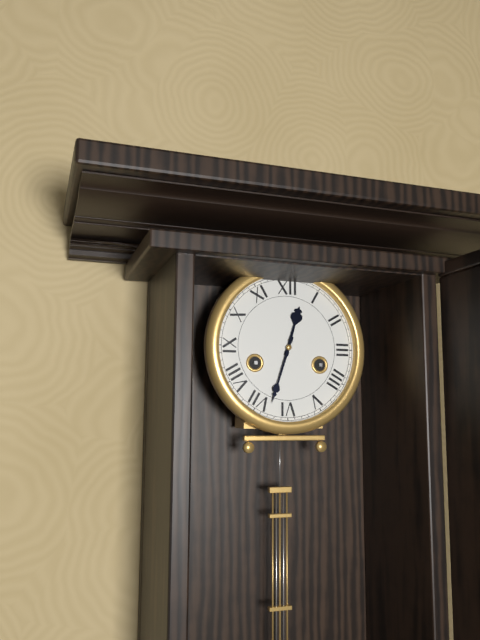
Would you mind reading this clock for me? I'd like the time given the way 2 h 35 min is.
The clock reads 12 h 33 min
